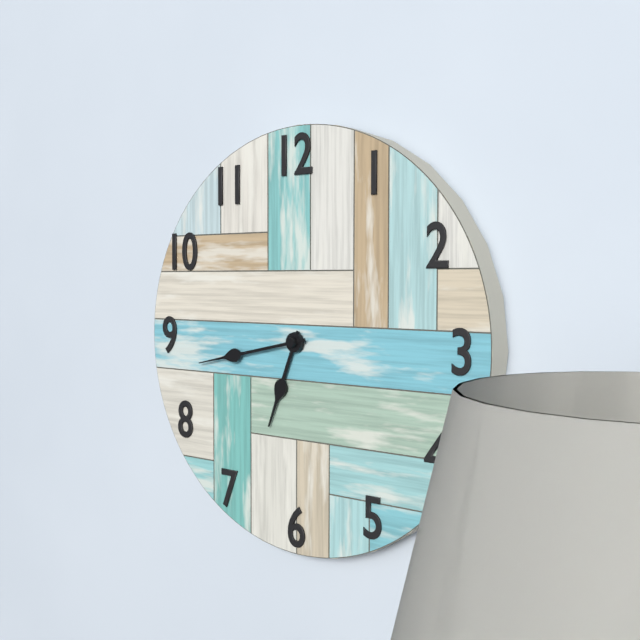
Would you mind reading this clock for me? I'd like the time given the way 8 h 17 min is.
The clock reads 6 h 43 min
